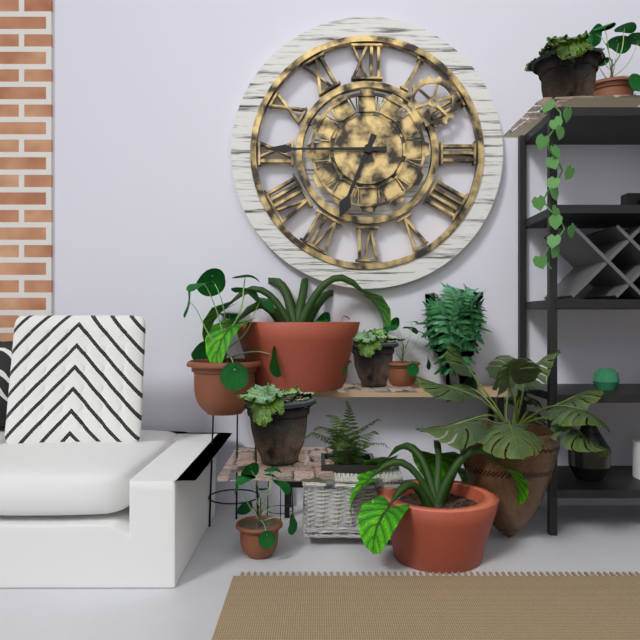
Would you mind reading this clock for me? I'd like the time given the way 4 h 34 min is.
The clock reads 6 h 45 min
